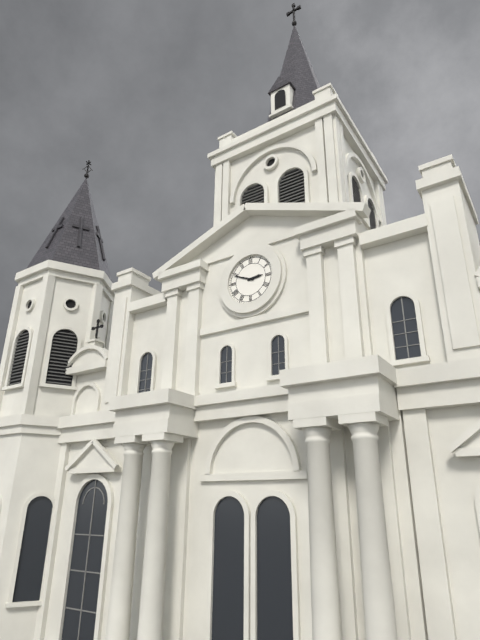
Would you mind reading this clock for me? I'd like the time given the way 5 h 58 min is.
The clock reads 2 h 49 min
